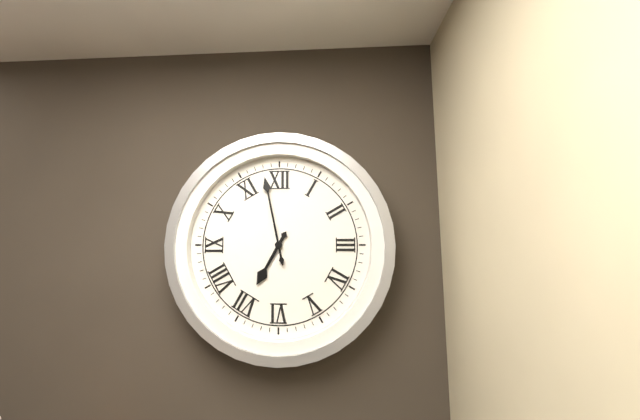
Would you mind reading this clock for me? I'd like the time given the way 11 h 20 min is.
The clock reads 6 h 58 min
